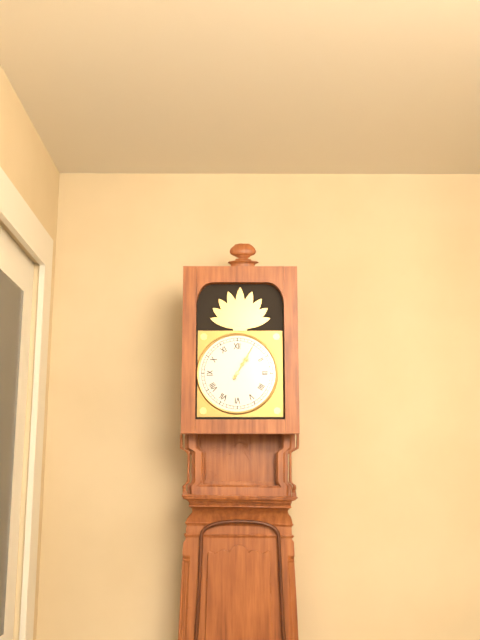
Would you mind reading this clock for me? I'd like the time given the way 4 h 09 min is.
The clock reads 1 h 05 min
